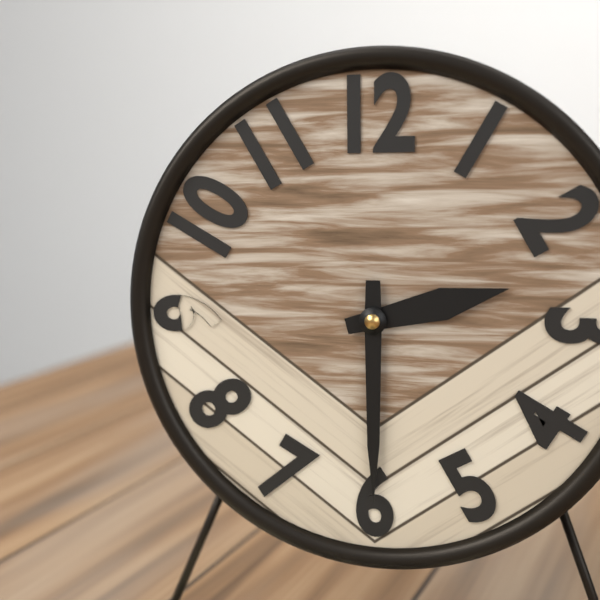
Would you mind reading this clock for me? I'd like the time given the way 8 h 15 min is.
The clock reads 2 h 30 min
